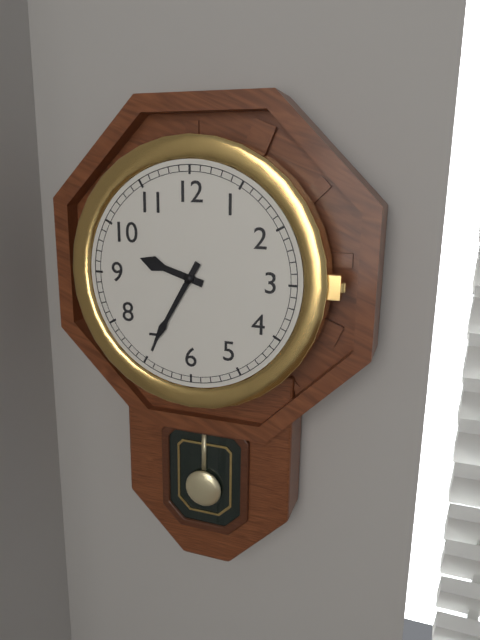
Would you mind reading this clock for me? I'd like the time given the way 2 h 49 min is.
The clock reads 9 h 35 min
